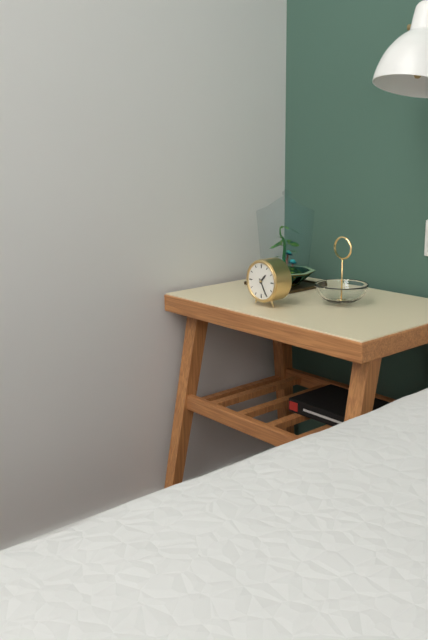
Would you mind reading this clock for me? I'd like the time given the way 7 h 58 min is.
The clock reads 1 h 25 min
